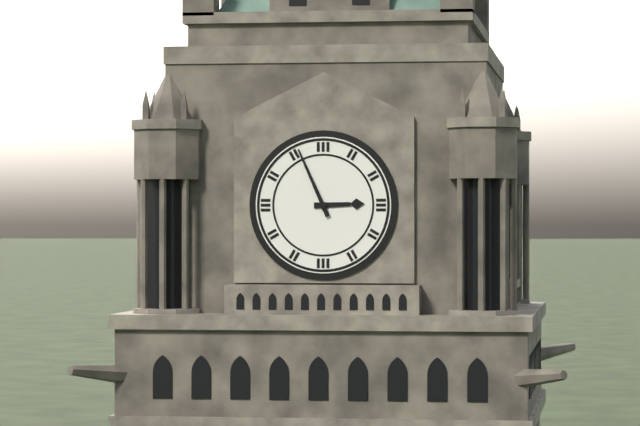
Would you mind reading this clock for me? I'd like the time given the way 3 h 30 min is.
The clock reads 2 h 56 min
